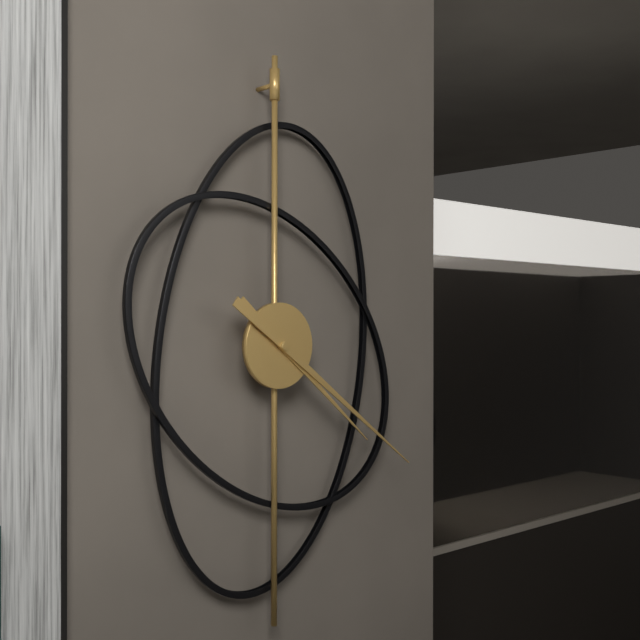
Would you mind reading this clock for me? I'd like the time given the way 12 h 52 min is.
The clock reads 4 h 21 min
